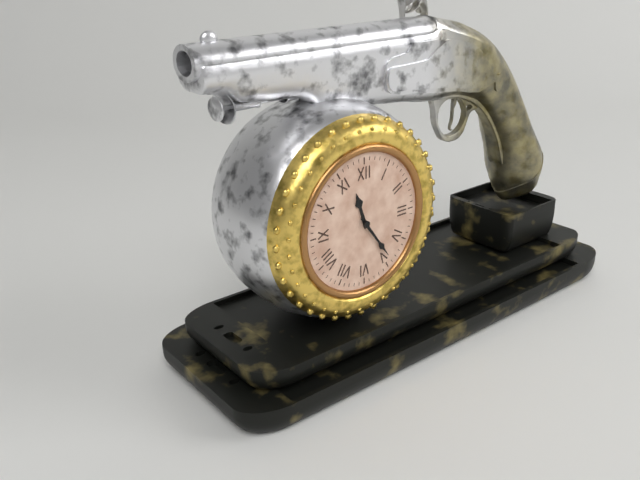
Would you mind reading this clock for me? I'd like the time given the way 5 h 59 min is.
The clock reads 11 h 24 min
